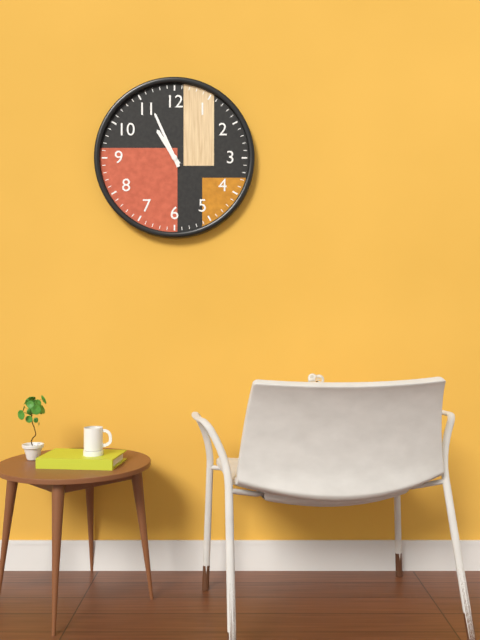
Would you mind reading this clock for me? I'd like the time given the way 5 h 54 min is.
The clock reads 10 h 56 min
